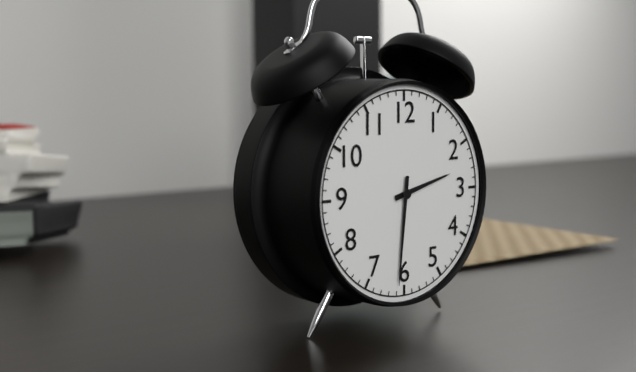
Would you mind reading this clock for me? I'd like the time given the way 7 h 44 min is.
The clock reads 2 h 31 min
